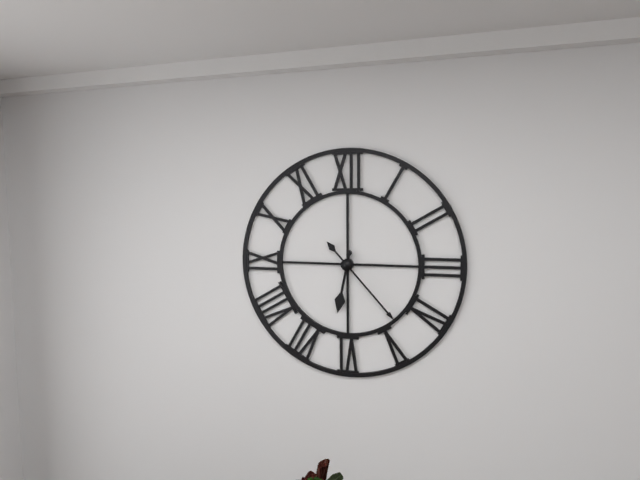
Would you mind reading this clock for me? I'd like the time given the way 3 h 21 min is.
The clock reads 6 h 23 min
